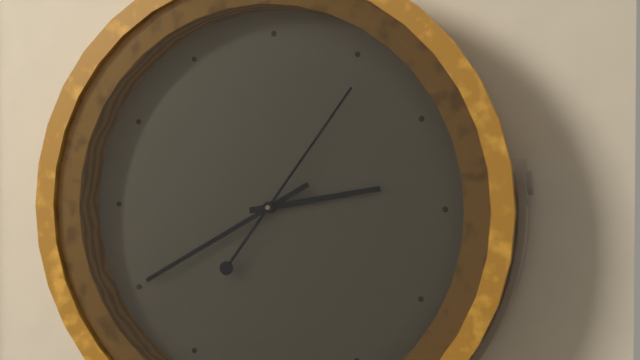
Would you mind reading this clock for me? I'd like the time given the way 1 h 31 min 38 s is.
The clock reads 2 h 40 min 06 s
